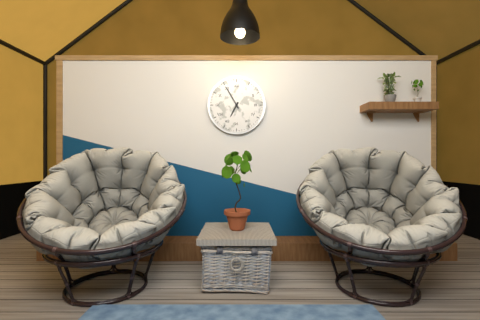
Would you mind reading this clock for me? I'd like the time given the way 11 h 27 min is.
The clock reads 6 h 55 min
